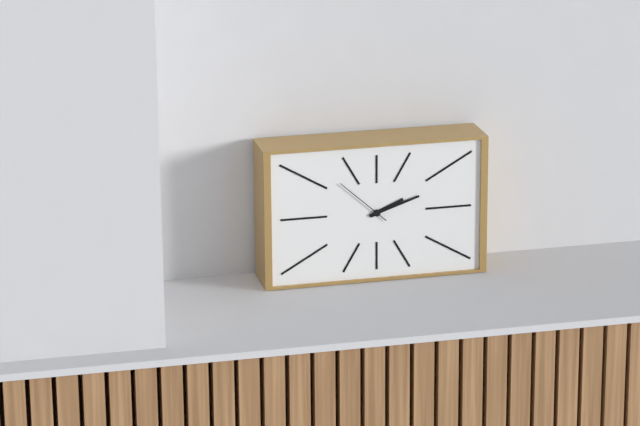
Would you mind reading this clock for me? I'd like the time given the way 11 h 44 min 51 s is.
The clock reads 2 h 12 min 52 s
